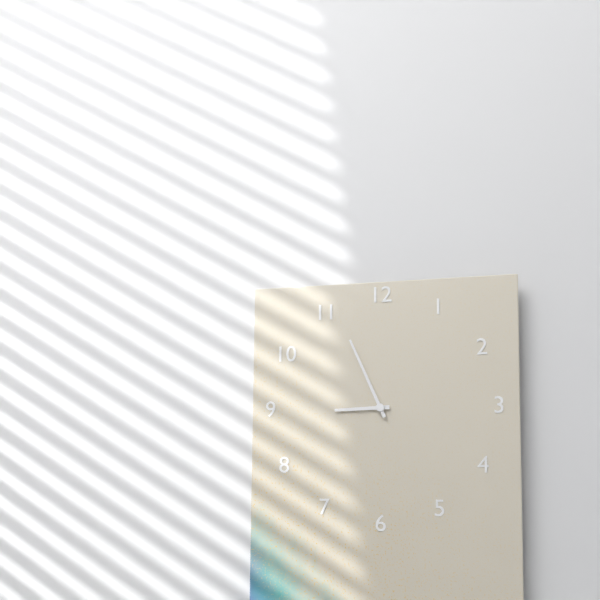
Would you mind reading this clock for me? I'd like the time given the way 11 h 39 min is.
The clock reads 8 h 56 min
